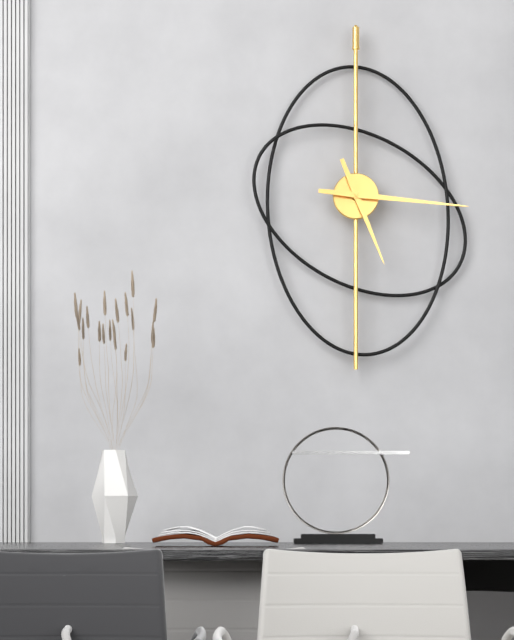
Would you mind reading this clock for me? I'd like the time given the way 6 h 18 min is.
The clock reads 5 h 16 min
